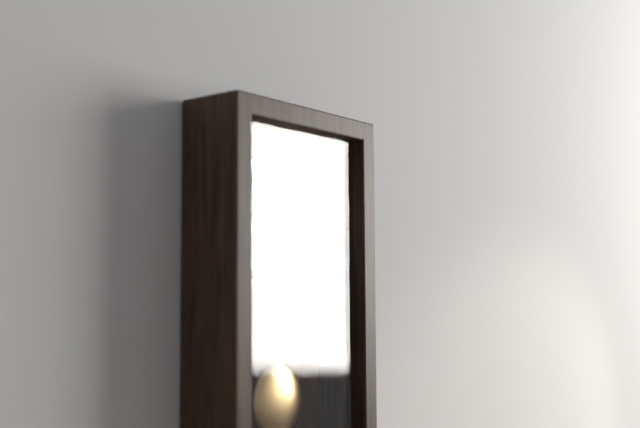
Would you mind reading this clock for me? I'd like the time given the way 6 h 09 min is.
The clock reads 10 h 48 min
